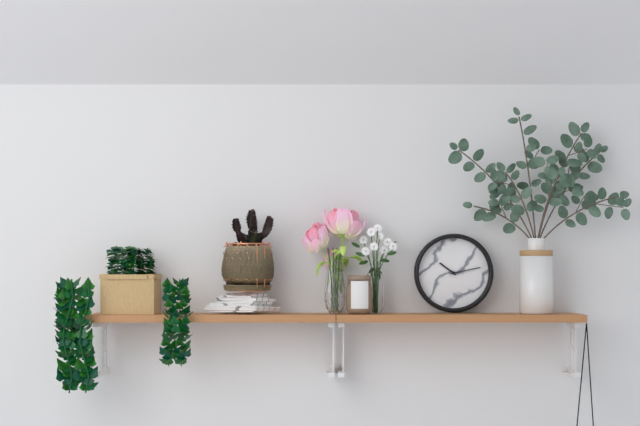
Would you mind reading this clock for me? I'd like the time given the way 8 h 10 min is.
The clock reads 10 h 13 min
